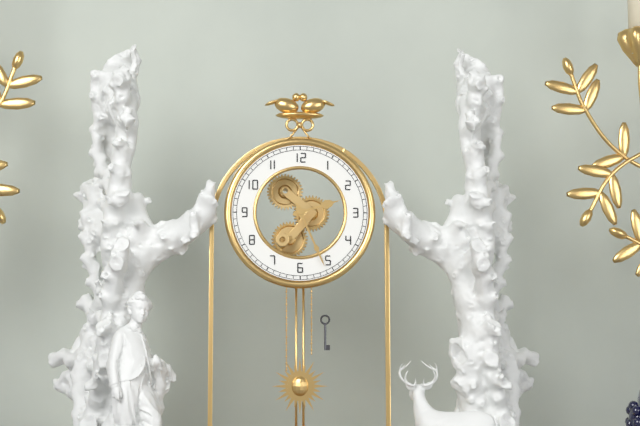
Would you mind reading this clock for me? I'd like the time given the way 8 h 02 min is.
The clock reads 2 h 26 min
